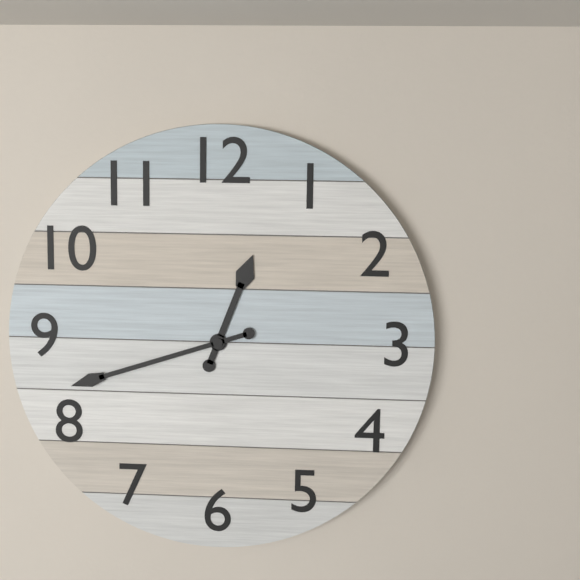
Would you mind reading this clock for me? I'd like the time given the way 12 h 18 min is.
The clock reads 12 h 42 min
